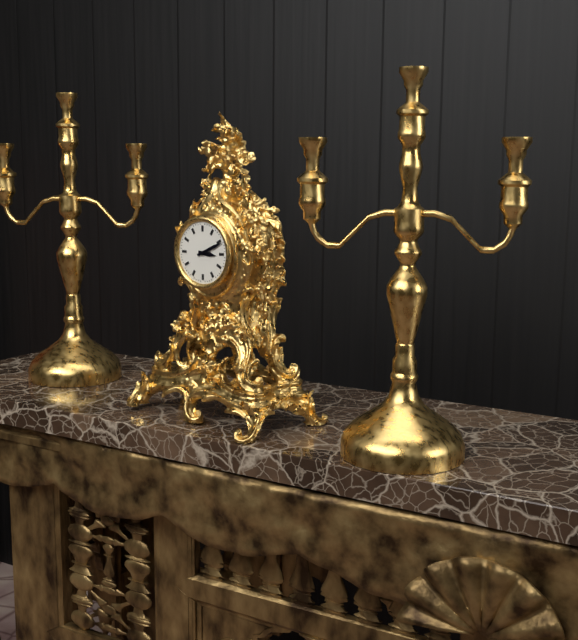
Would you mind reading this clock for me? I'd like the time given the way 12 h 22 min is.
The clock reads 3 h 11 min
